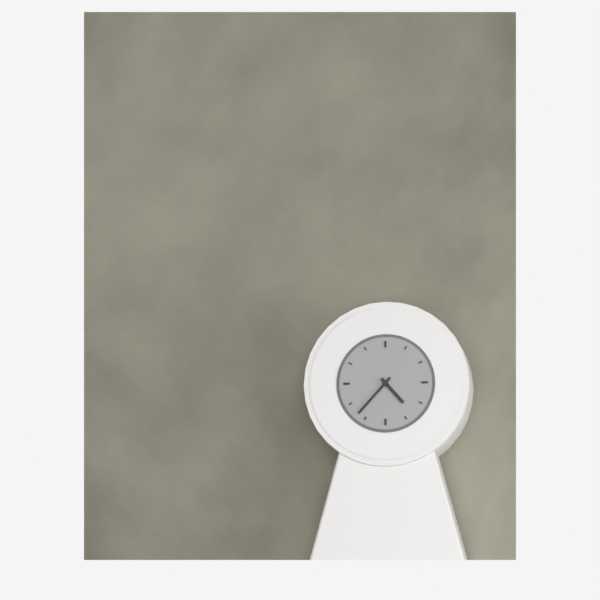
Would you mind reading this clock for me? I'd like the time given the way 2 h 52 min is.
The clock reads 4 h 37 min
